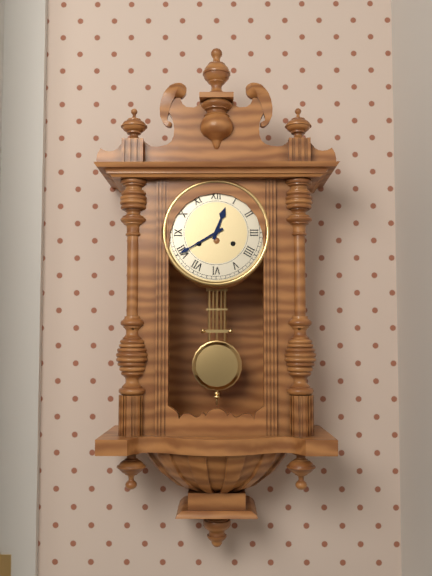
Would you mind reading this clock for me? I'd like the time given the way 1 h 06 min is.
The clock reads 12 h 40 min
